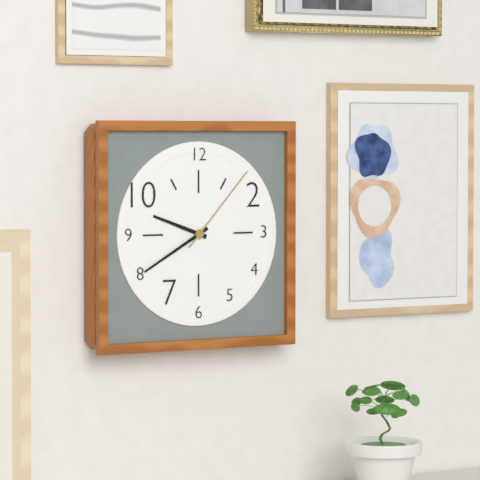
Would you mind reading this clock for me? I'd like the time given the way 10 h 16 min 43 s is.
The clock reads 9 h 40 min 07 s
